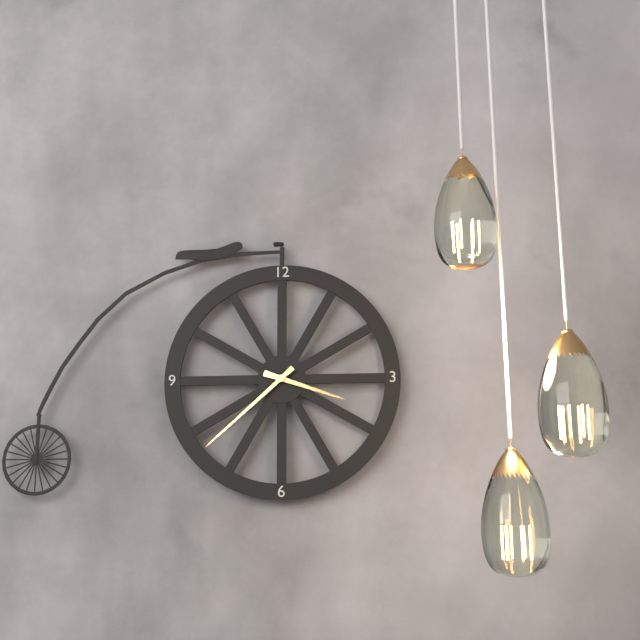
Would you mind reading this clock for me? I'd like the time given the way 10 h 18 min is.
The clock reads 3 h 38 min
